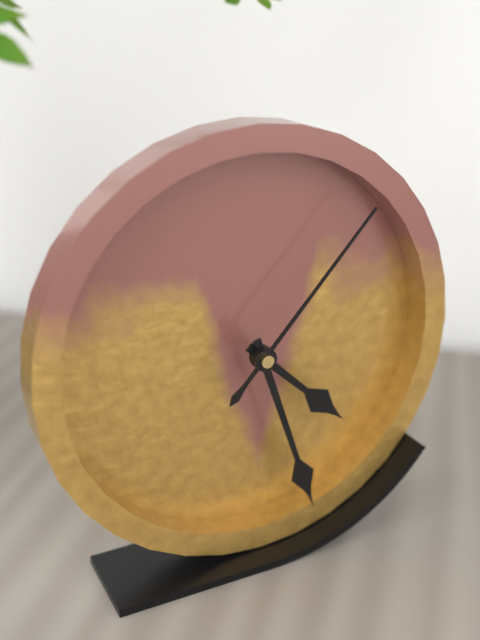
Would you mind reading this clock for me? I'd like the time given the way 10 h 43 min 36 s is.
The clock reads 4 h 27 min 07 s
